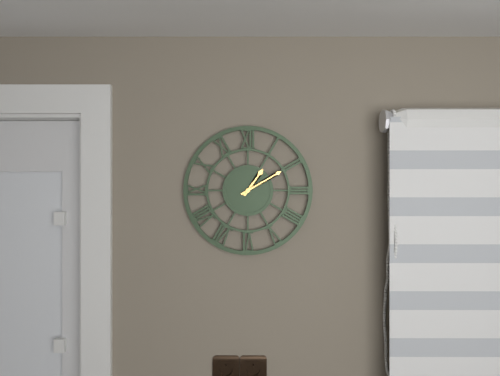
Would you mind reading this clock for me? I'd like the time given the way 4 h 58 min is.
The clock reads 1 h 10 min
